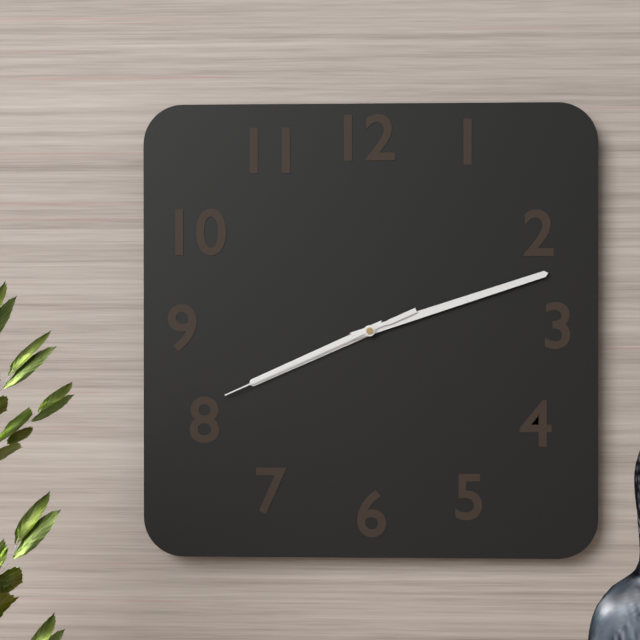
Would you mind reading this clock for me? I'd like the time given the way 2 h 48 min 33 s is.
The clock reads 8 h 12 min 41 s
